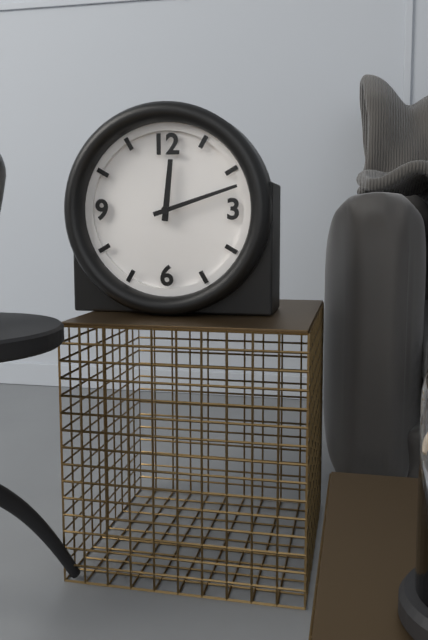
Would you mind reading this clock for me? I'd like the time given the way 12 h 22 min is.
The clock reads 12 h 12 min
